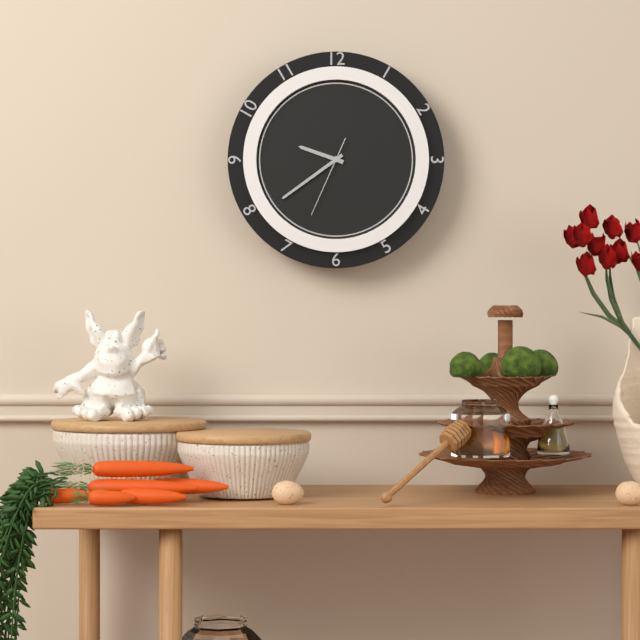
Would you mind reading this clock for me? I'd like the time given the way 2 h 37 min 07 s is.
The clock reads 9 h 39 min 34 s
